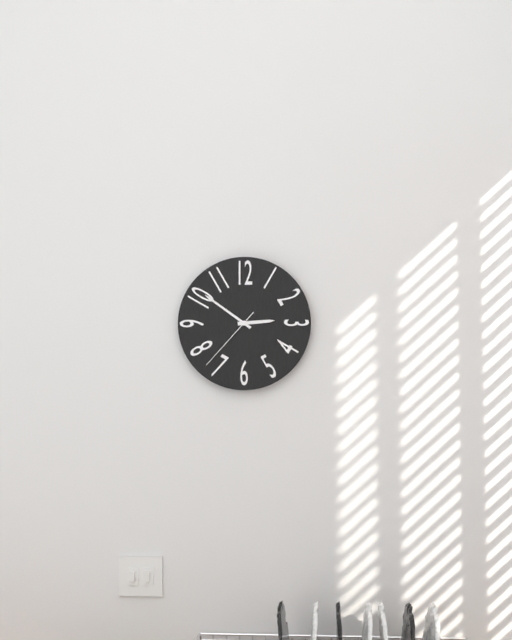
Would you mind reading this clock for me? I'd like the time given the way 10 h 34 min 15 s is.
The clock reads 2 h 51 min 37 s
